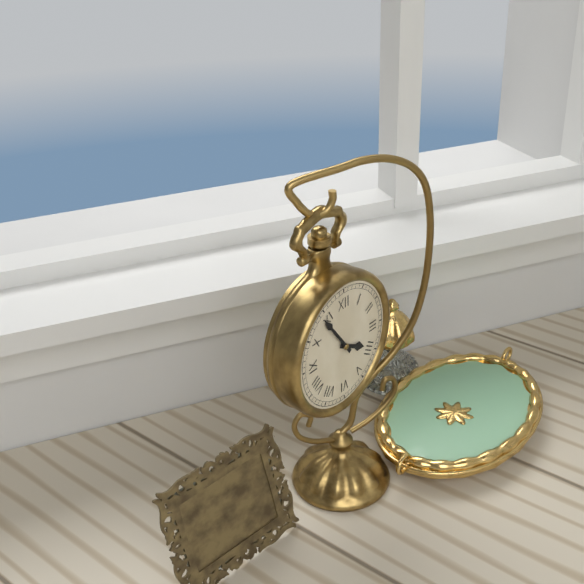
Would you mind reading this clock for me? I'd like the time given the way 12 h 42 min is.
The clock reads 3 h 54 min
